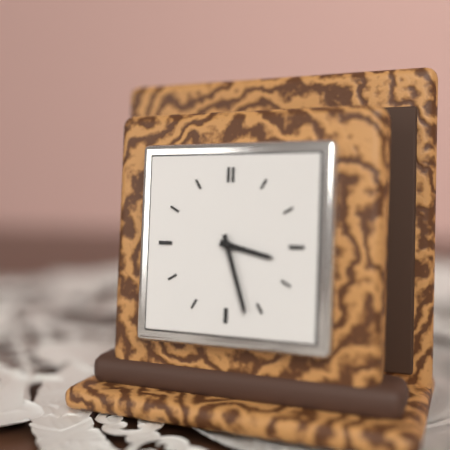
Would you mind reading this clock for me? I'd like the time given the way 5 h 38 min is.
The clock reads 3 h 27 min
